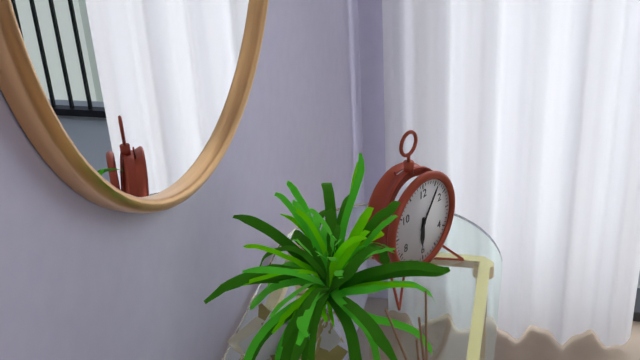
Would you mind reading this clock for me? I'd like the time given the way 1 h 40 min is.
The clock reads 6 h 06 min
